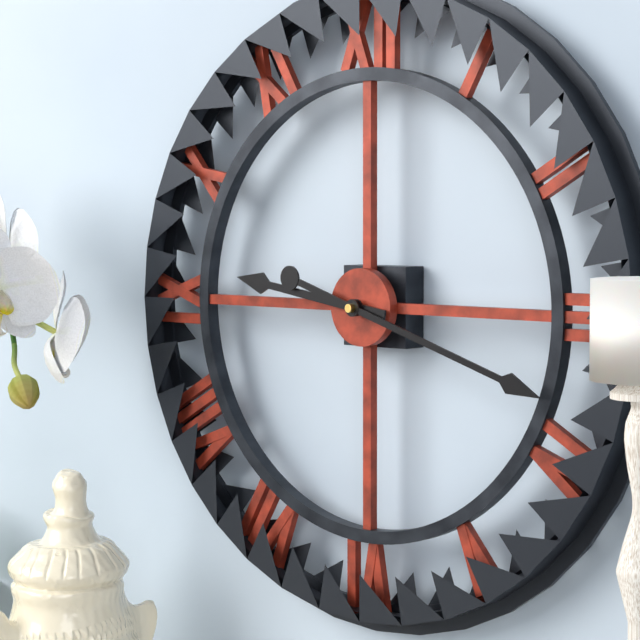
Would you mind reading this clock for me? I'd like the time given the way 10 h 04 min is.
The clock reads 9 h 18 min
